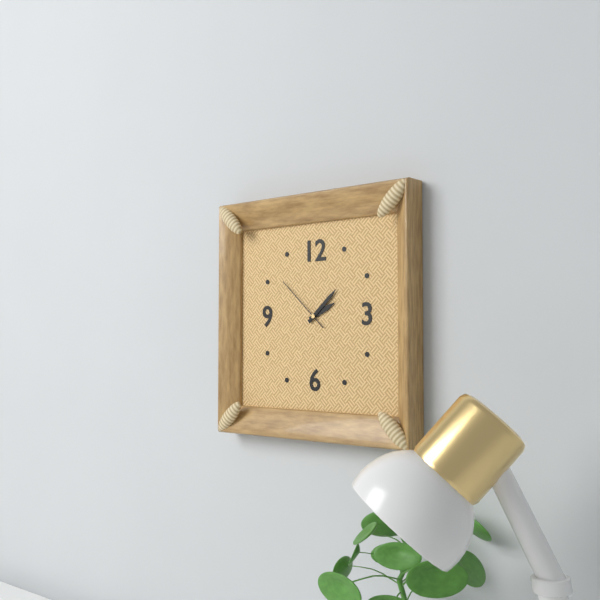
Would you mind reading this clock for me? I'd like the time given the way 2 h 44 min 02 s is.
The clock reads 2 h 08 min 52 s
